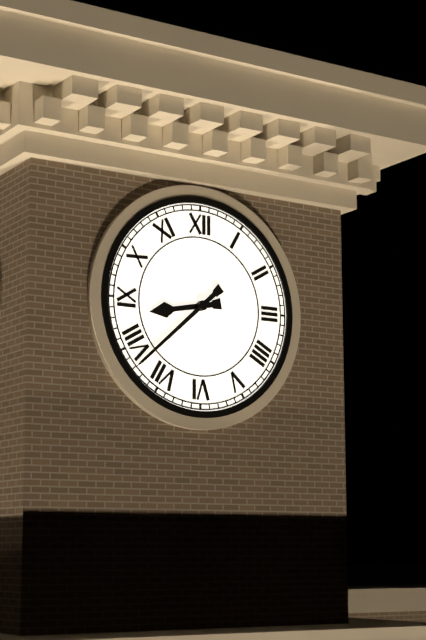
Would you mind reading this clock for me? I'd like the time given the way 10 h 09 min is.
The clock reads 8 h 38 min
